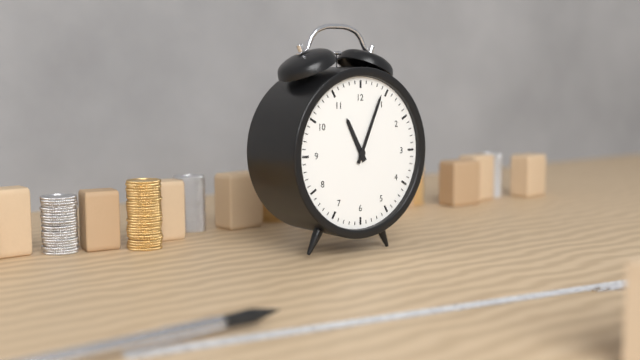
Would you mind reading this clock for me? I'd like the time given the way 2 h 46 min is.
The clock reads 11 h 04 min
